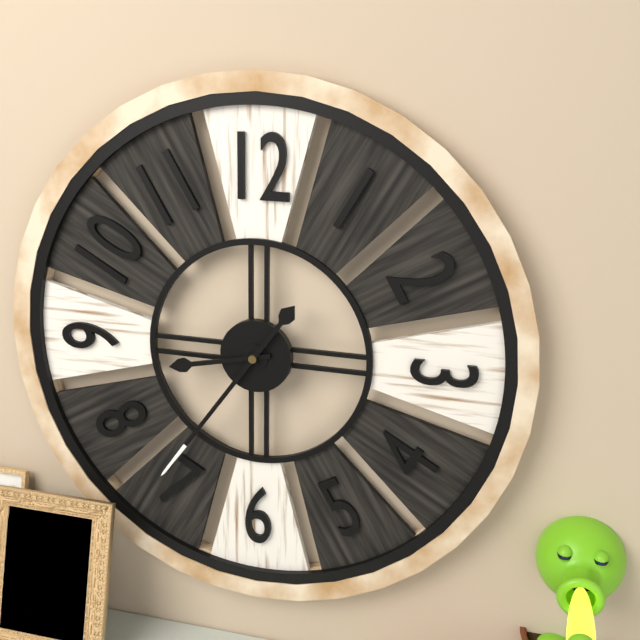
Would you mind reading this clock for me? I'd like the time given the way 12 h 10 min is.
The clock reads 8 h 36 min
